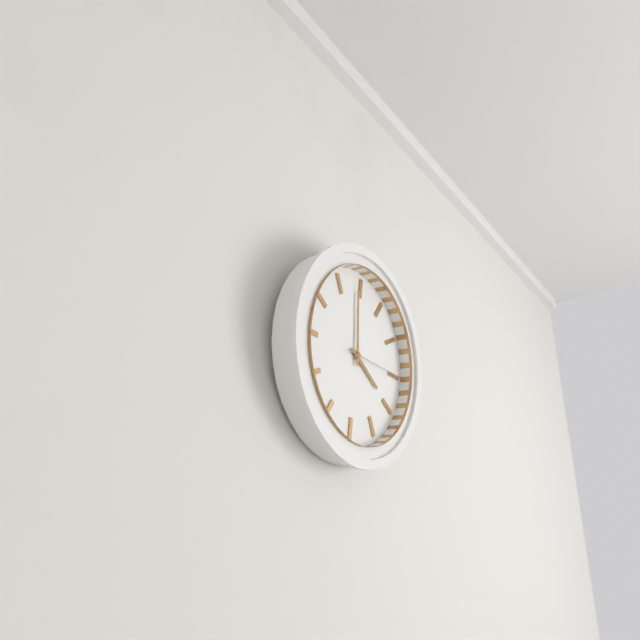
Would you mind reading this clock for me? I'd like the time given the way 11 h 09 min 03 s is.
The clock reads 3 h 59 min 15 s
